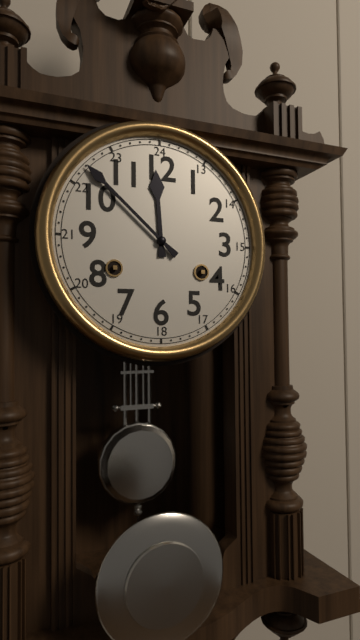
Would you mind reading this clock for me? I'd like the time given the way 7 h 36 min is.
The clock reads 11 h 52 min
